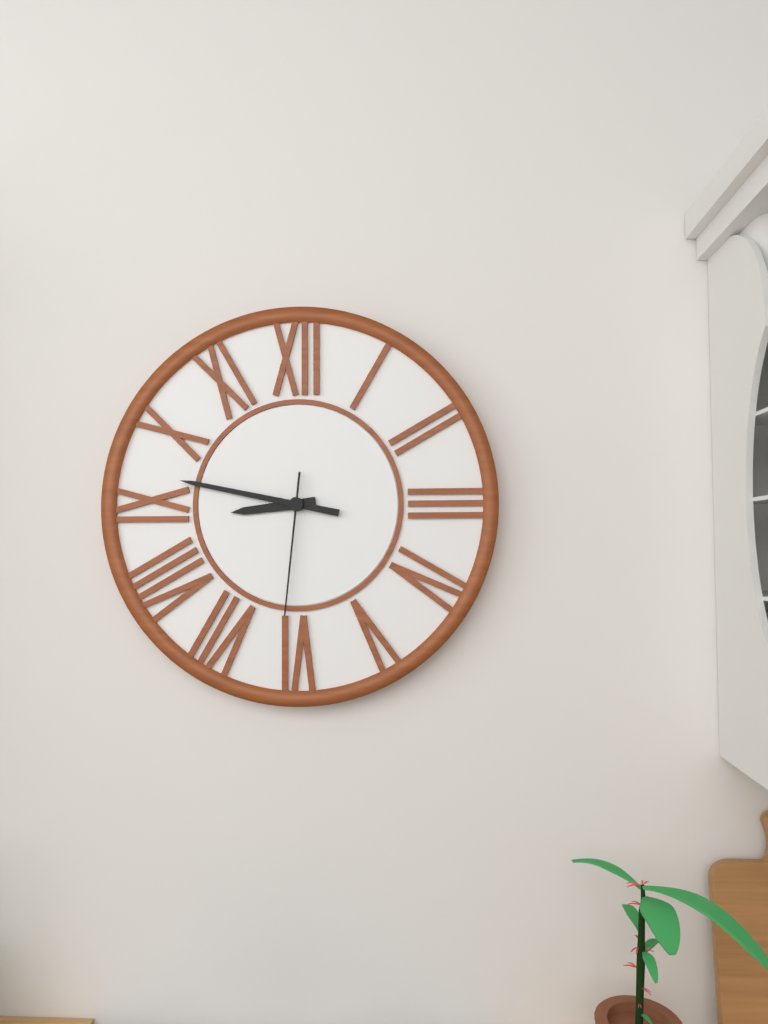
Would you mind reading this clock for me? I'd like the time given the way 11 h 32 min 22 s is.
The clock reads 8 h 47 min 31 s
